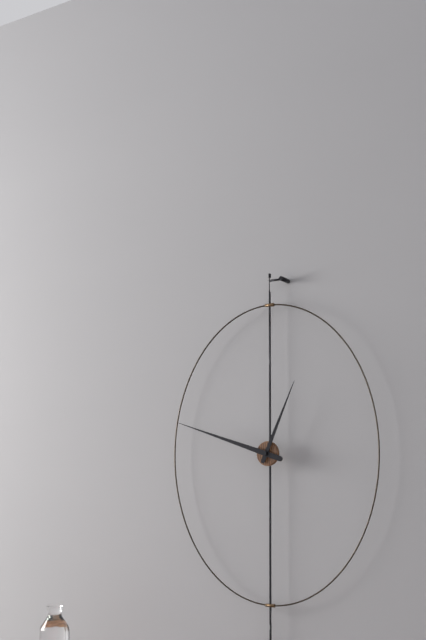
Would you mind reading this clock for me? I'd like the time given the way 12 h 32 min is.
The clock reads 12 h 48 min
